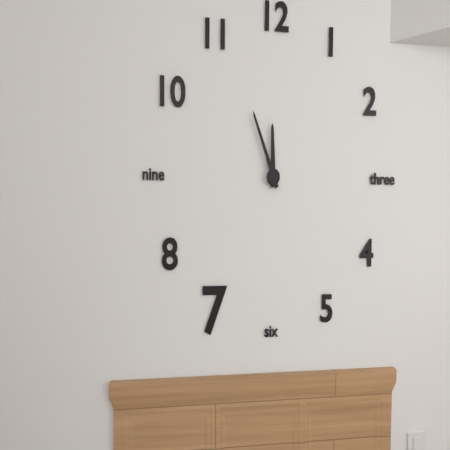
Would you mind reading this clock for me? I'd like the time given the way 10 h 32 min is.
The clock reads 11 h 56 min
